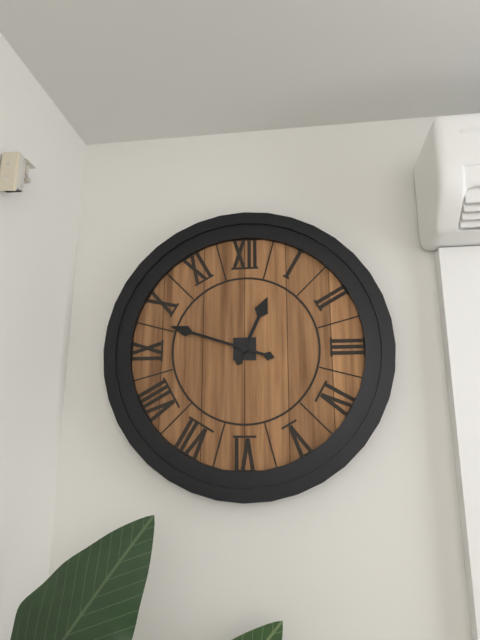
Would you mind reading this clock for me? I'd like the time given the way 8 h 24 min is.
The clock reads 12 h 48 min
